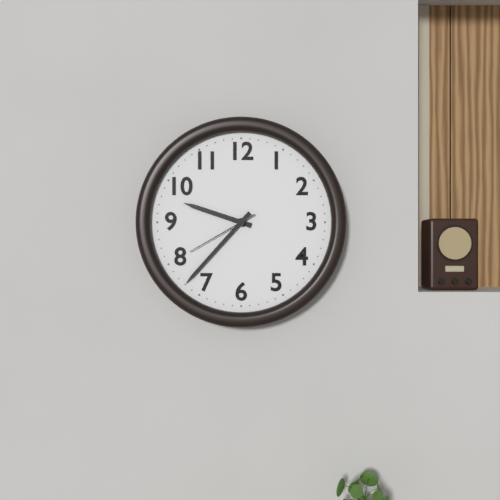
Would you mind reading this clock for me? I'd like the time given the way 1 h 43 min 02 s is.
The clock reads 9 h 37 min 40 s
